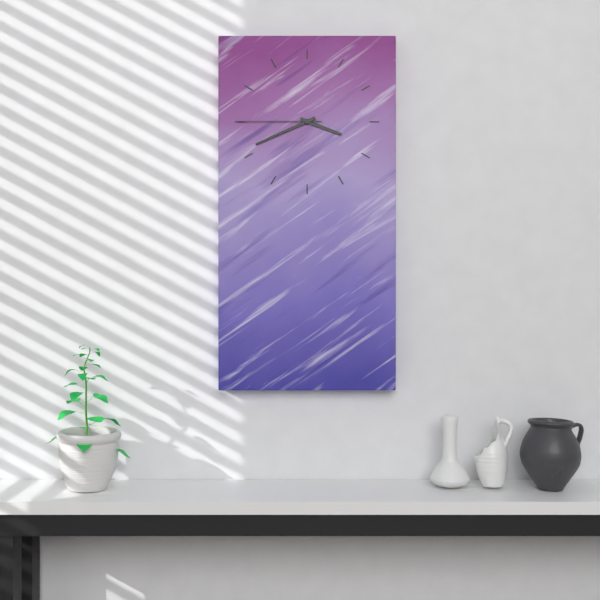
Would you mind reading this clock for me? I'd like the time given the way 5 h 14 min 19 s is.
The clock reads 3 h 41 min 45 s
